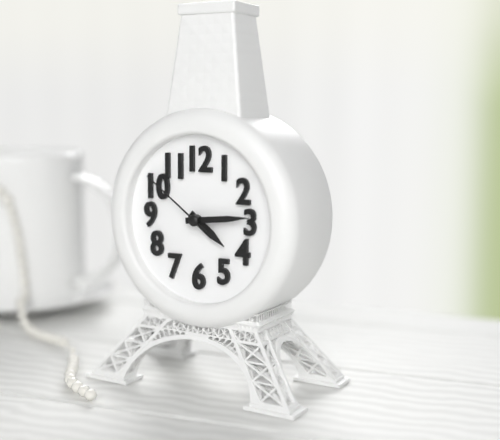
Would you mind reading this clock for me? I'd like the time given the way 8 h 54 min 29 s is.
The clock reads 4 h 14 min 51 s
